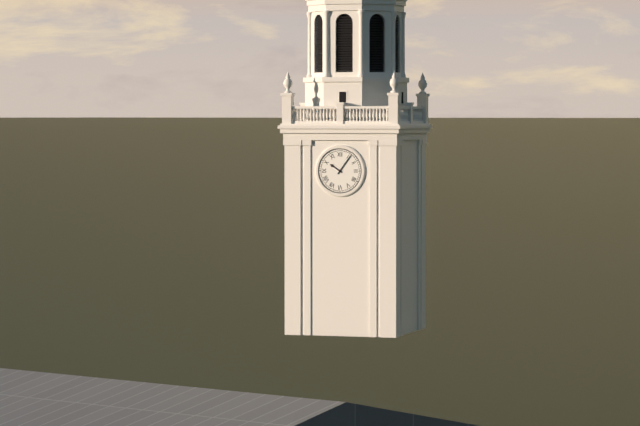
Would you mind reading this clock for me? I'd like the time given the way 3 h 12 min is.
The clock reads 10 h 06 min
